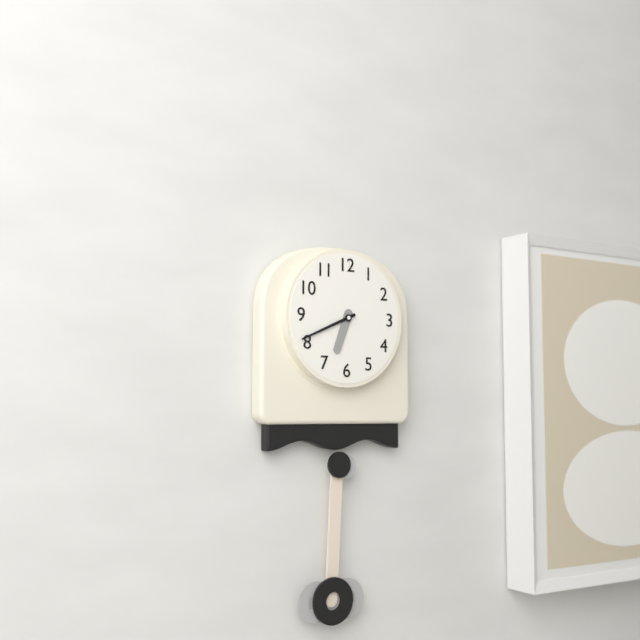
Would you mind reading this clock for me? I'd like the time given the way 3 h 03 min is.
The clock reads 6 h 41 min
